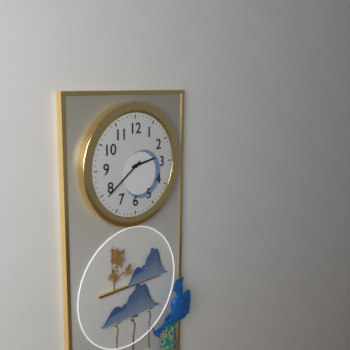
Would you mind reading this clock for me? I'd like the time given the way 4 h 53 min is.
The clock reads 2 h 39 min
